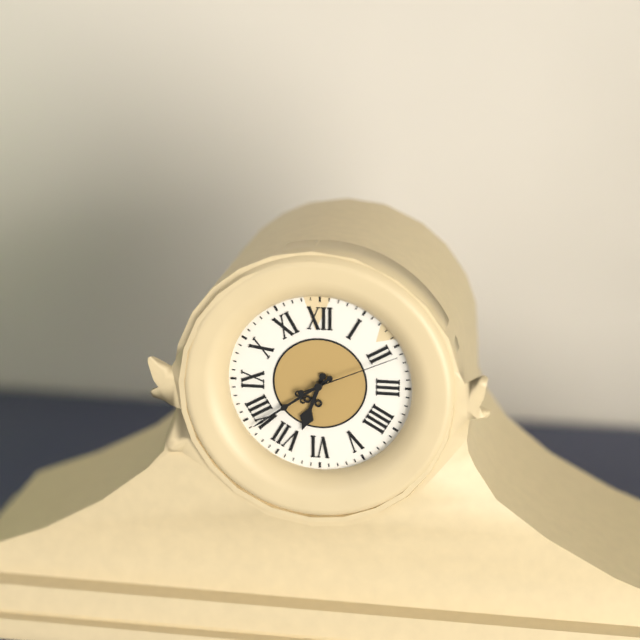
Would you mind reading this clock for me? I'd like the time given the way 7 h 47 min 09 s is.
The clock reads 6 h 39 min 11 s
